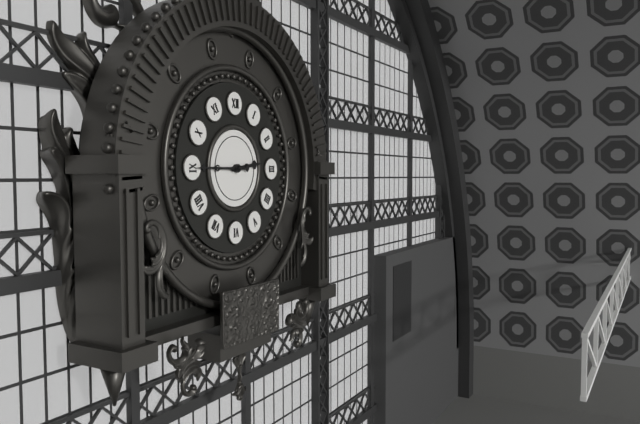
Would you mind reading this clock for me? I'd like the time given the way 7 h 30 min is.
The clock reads 2 h 45 min
